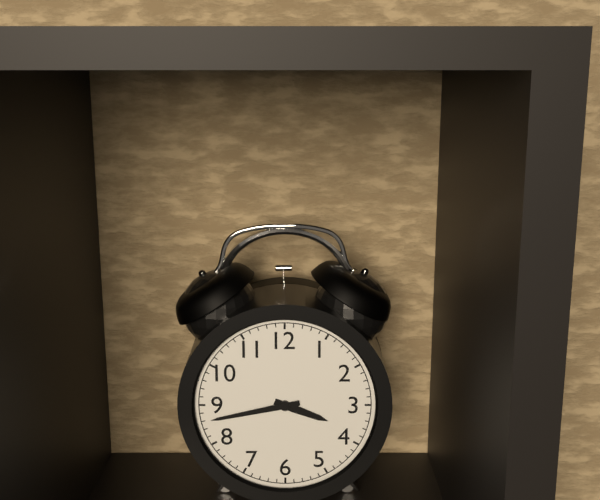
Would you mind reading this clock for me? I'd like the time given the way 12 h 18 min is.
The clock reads 3 h 43 min
